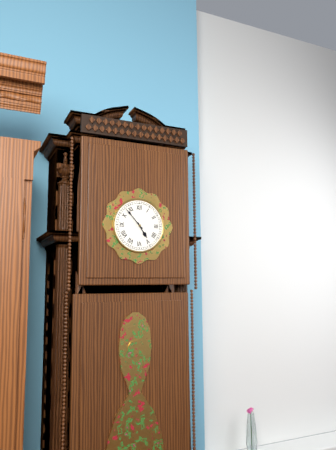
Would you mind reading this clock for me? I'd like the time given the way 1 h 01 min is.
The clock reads 4 h 53 min
